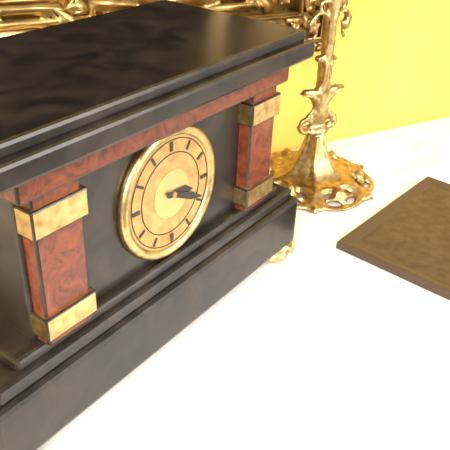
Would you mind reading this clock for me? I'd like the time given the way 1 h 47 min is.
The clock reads 3 h 19 min
